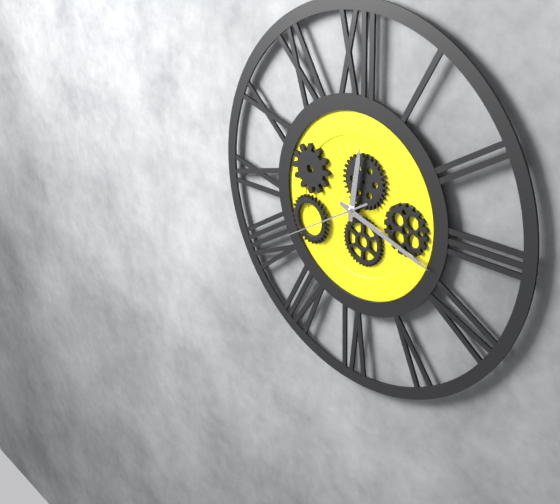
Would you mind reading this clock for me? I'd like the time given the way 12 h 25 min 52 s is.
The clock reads 12 h 18 min 40 s
